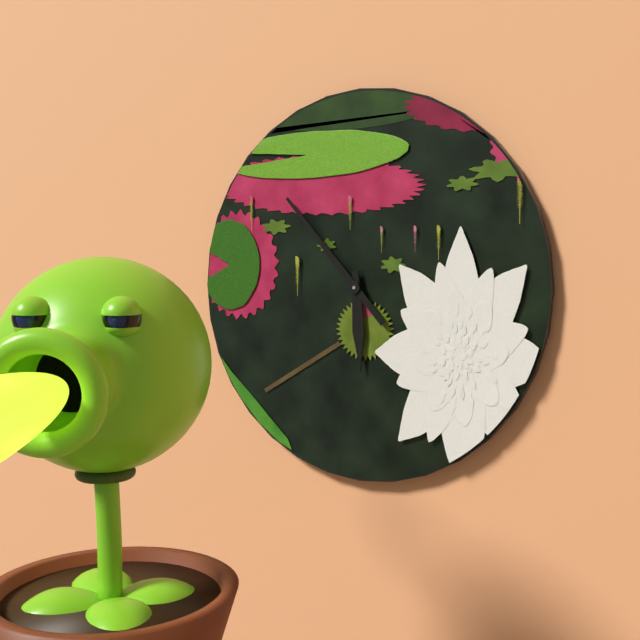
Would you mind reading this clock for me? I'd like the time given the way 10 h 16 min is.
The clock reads 5 h 53 min
